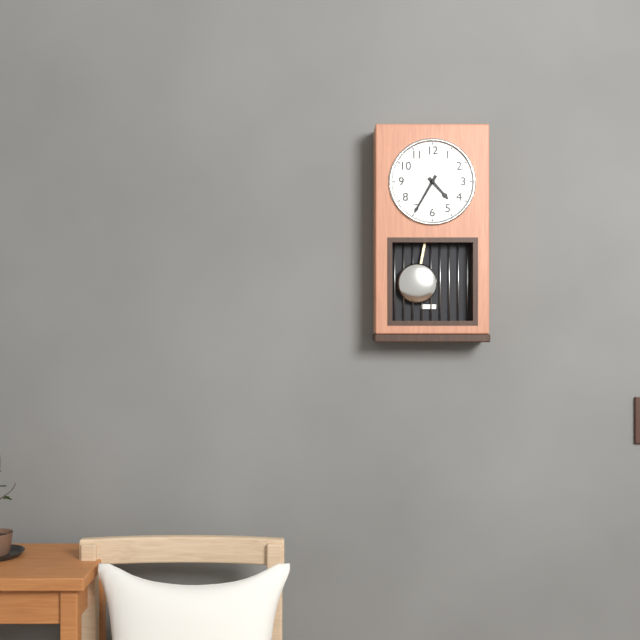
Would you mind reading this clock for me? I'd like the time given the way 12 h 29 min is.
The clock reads 4 h 35 min
